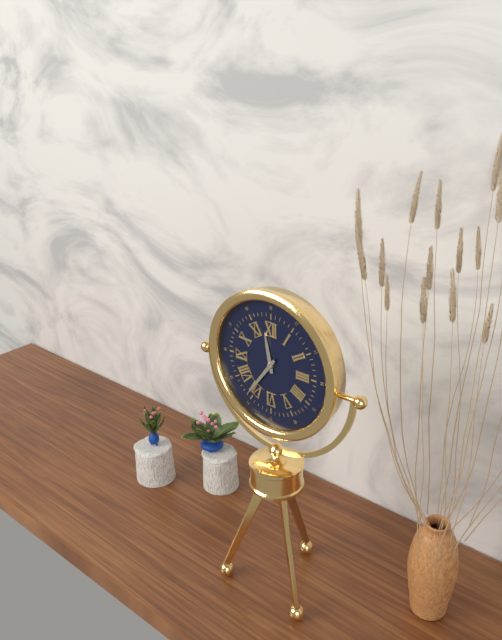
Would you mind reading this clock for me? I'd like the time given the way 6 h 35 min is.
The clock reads 11 h 36 min
